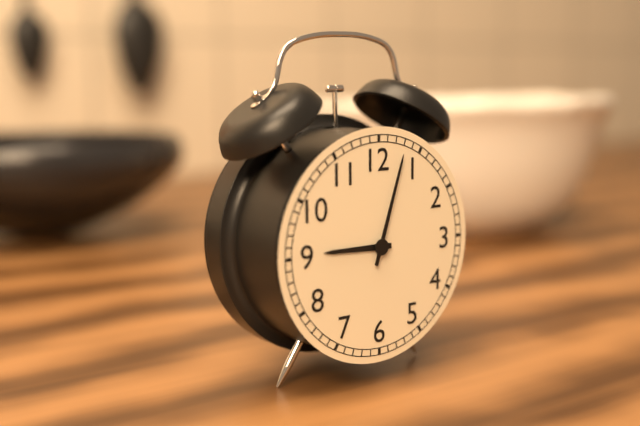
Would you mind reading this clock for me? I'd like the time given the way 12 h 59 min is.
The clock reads 9 h 03 min
